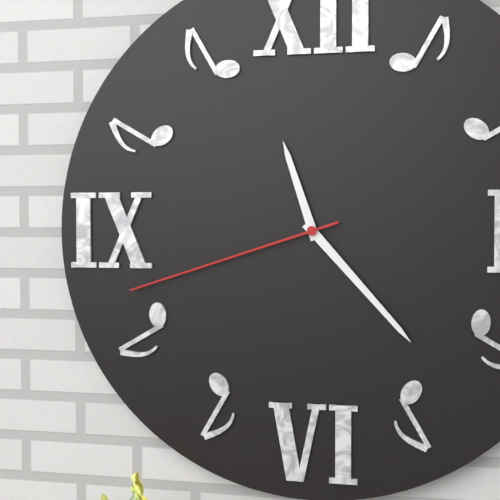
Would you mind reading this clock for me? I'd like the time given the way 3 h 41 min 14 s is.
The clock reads 11 h 23 min 42 s
